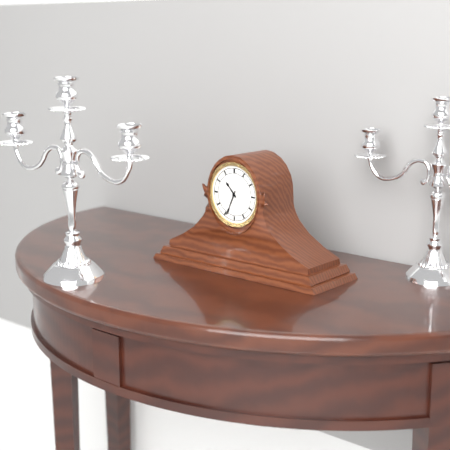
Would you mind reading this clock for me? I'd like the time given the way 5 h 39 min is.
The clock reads 10 h 34 min
